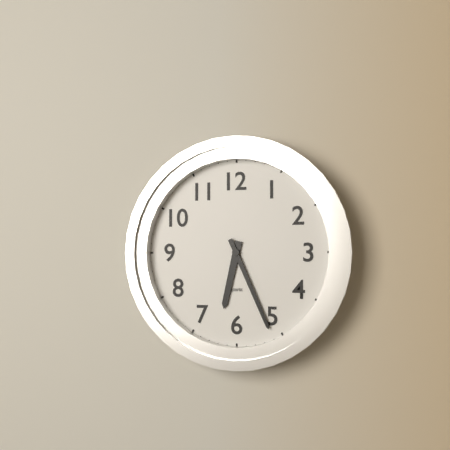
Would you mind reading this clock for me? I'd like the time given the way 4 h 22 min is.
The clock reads 6 h 26 min
